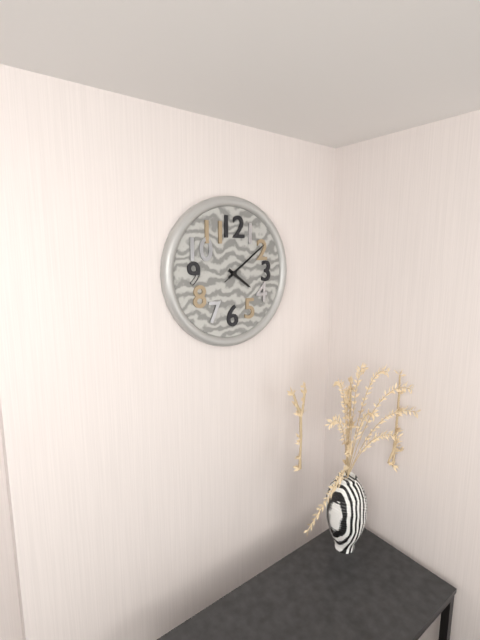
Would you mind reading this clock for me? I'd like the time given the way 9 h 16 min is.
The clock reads 4 h 09 min
